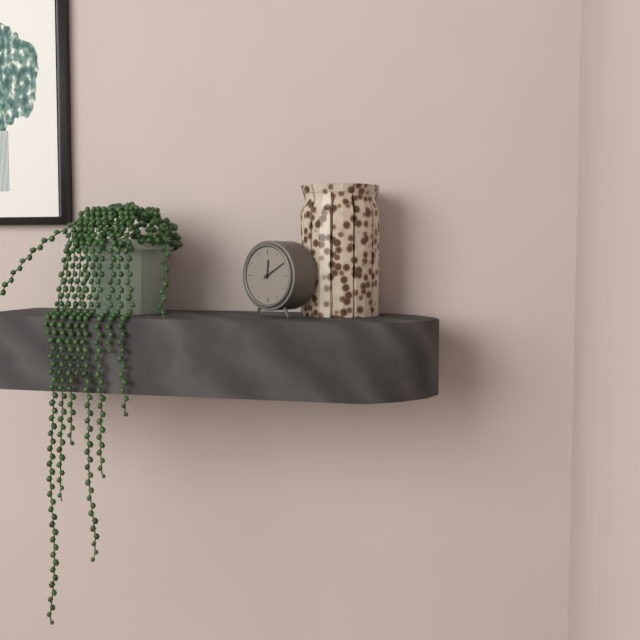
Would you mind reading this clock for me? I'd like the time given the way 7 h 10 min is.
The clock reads 12 h 10 min
